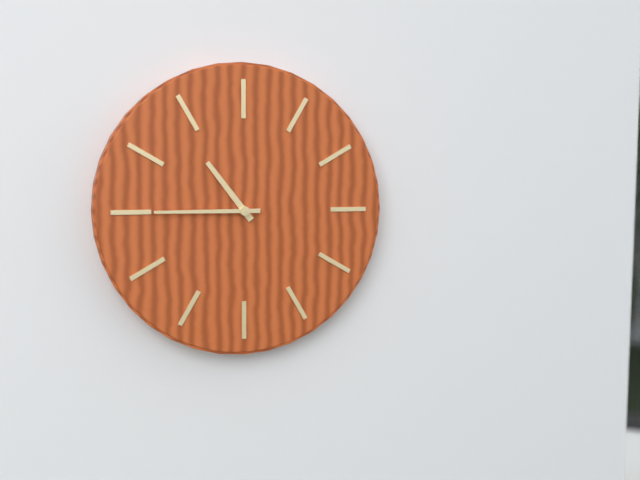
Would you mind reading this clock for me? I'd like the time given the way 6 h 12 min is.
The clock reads 10 h 45 min
